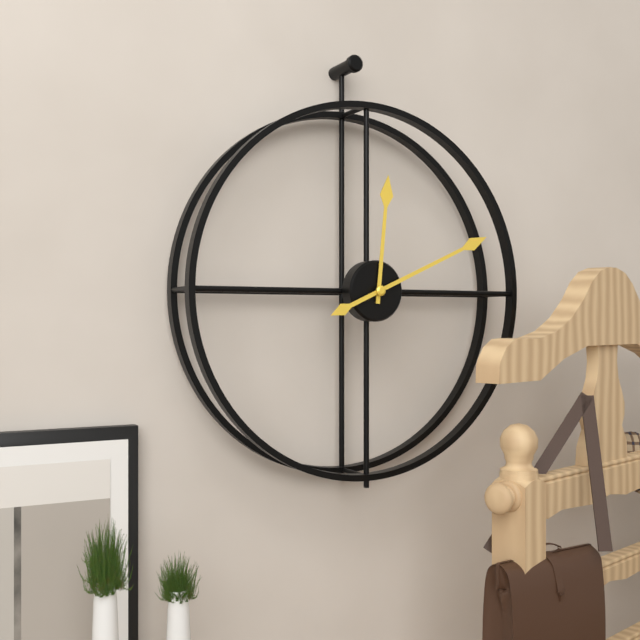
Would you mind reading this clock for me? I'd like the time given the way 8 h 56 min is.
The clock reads 12 h 11 min
